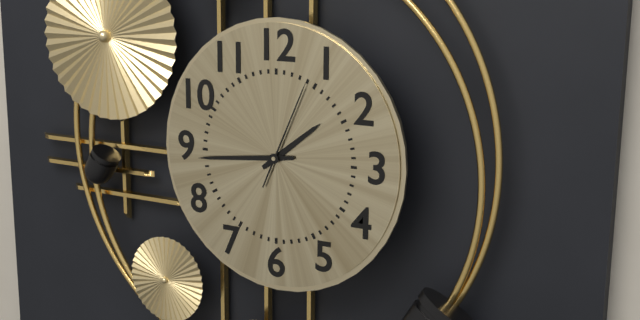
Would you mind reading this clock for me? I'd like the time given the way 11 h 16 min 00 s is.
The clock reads 1 h 44 min 04 s
